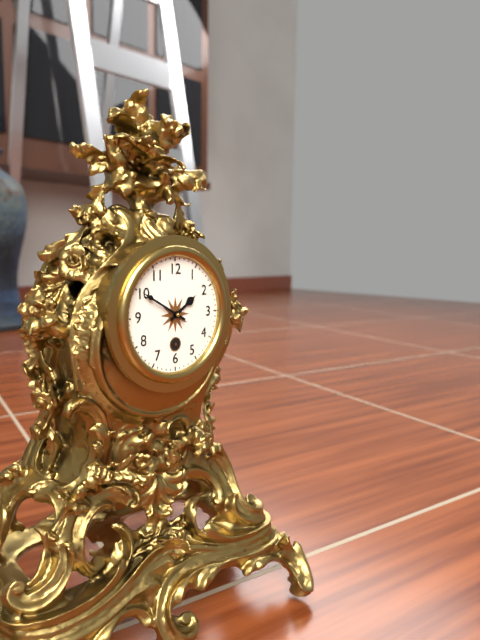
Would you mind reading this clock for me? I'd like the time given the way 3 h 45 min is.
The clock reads 1 h 50 min
